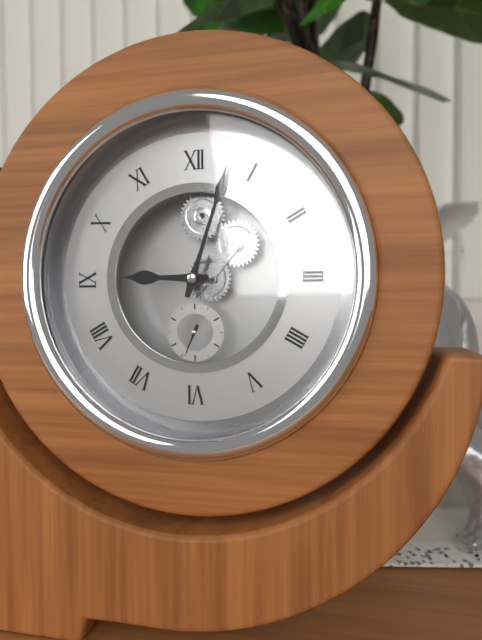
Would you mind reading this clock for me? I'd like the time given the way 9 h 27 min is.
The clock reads 9 h 03 min
